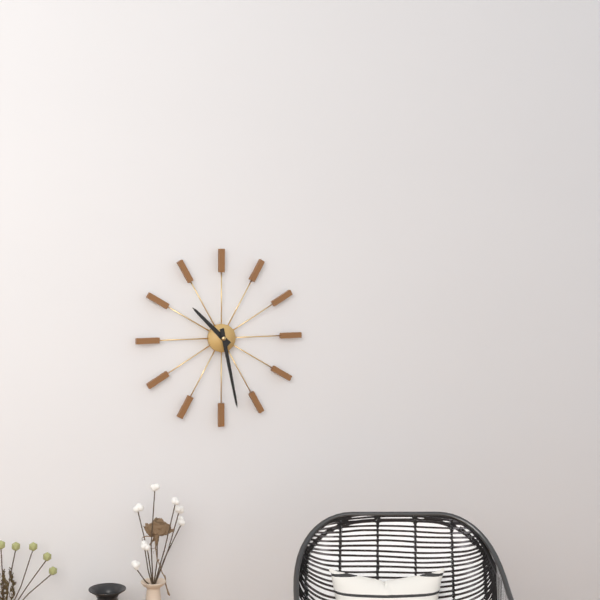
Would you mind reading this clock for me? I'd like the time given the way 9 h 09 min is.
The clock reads 10 h 28 min
